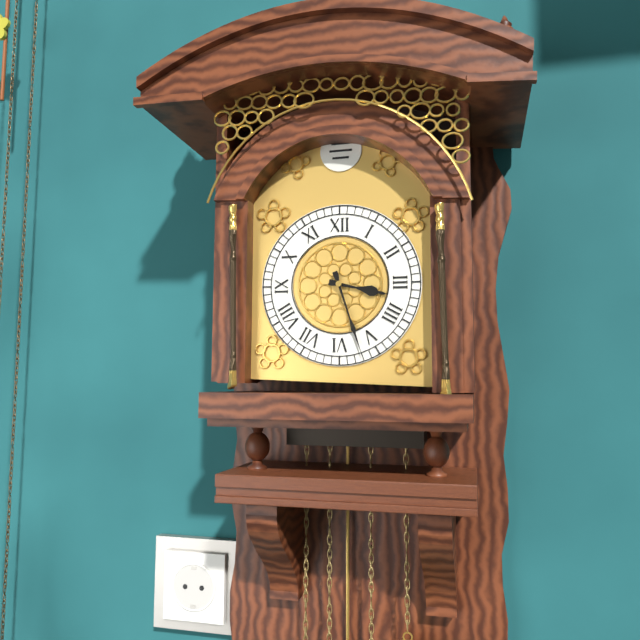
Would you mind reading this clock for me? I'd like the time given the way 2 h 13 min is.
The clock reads 3 h 27 min
